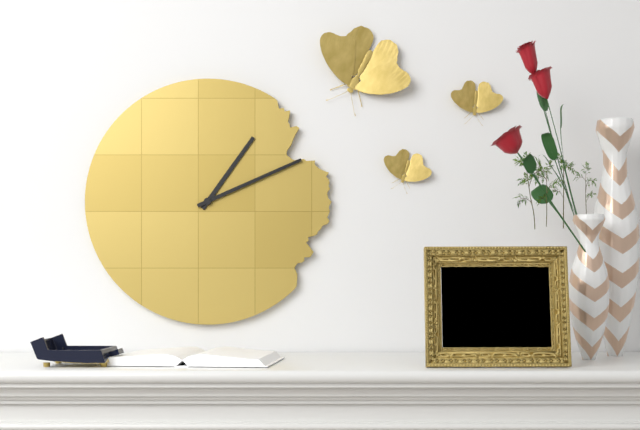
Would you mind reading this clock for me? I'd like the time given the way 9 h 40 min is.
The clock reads 1 h 11 min
